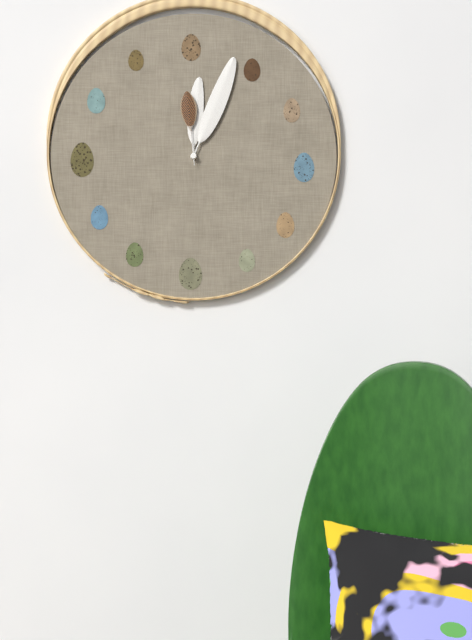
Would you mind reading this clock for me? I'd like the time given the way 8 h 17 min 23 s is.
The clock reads 12 h 04 min 59 s
